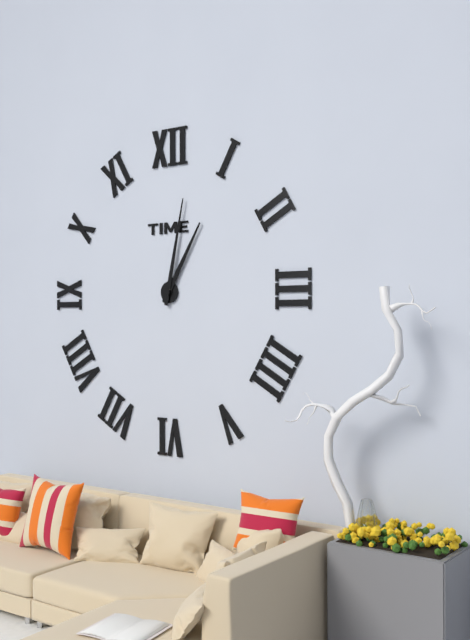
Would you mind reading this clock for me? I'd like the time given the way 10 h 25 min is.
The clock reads 1 h 02 min
